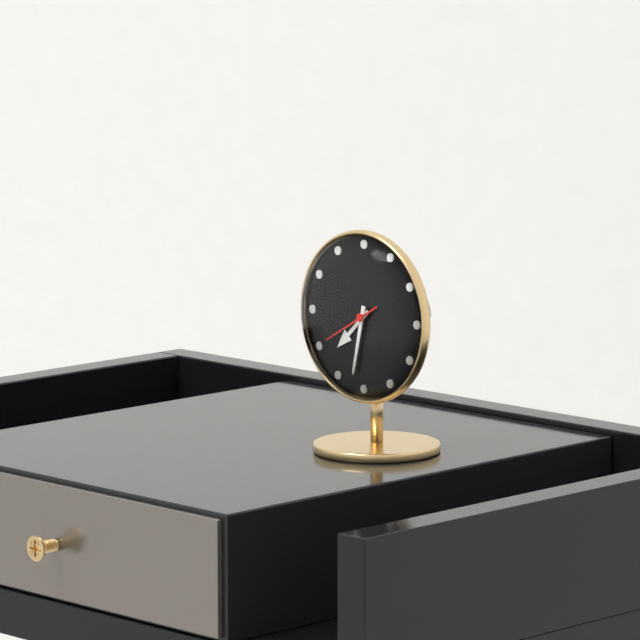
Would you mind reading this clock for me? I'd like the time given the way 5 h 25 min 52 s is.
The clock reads 7 h 32 min 40 s
